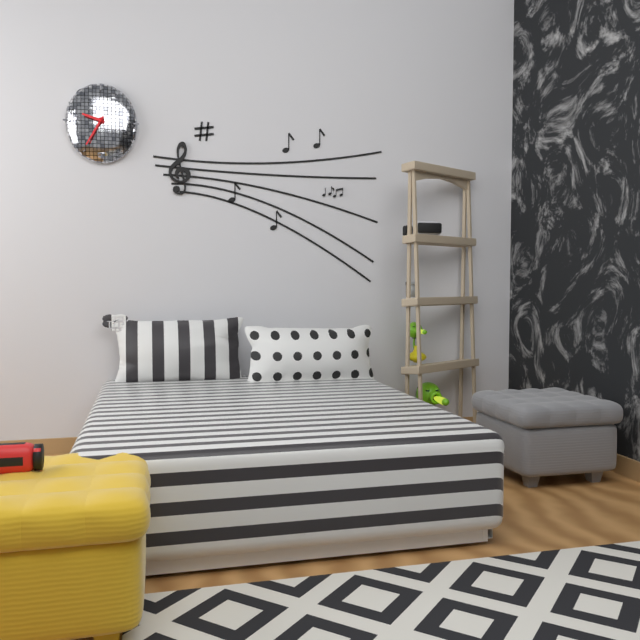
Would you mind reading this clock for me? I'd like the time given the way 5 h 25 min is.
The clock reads 9 h 35 min
